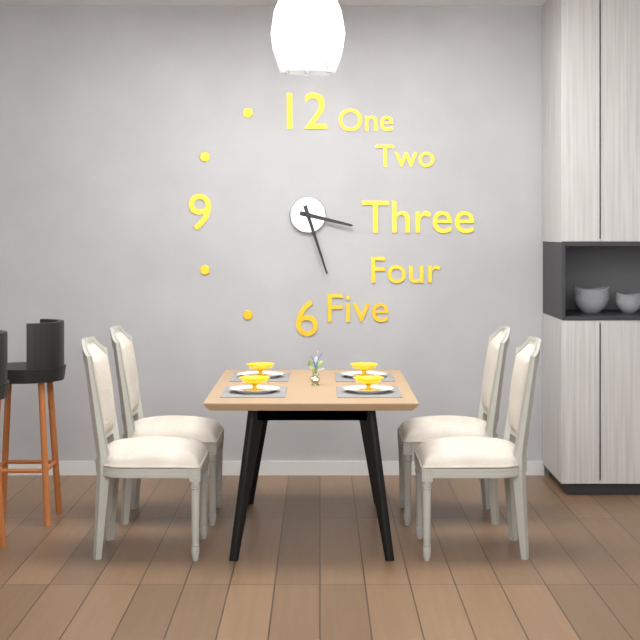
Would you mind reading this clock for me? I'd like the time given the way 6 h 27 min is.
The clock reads 3 h 27 min
